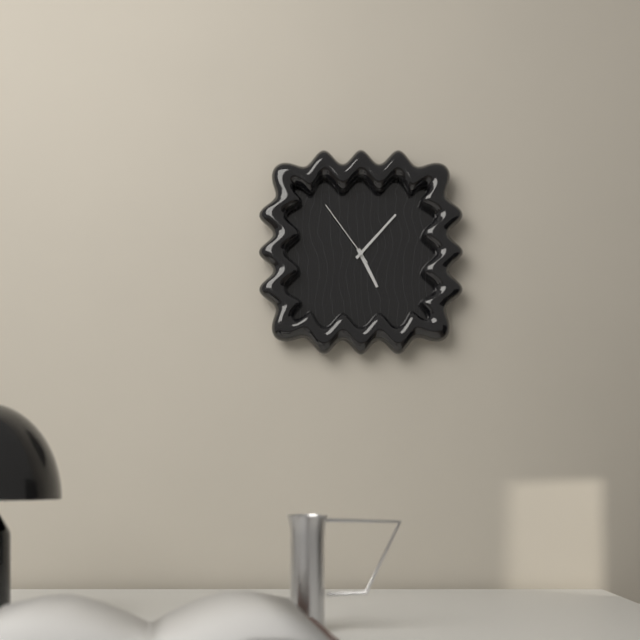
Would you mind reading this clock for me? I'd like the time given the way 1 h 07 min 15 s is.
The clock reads 5 h 07 min 54 s
